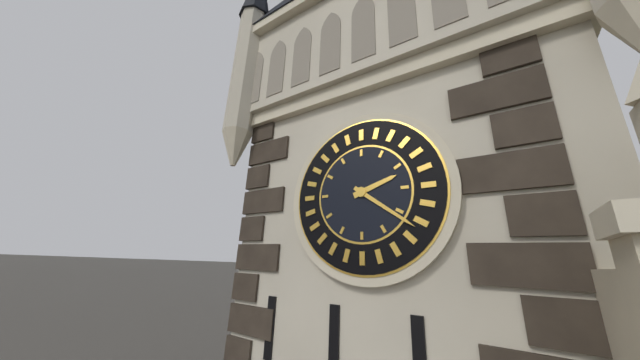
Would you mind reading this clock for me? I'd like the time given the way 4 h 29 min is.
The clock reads 2 h 21 min
